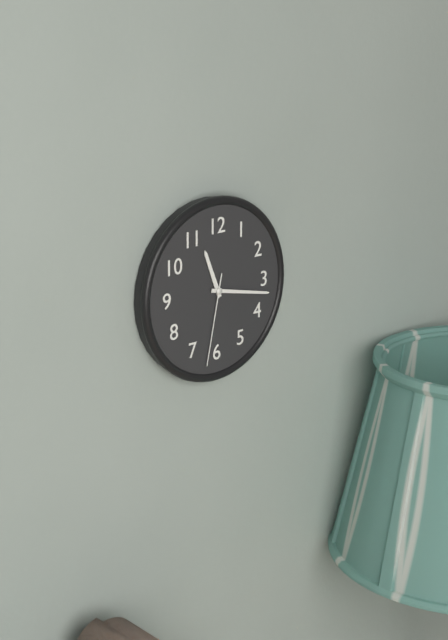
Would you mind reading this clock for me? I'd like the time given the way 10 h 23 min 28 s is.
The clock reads 11 h 17 min 32 s
